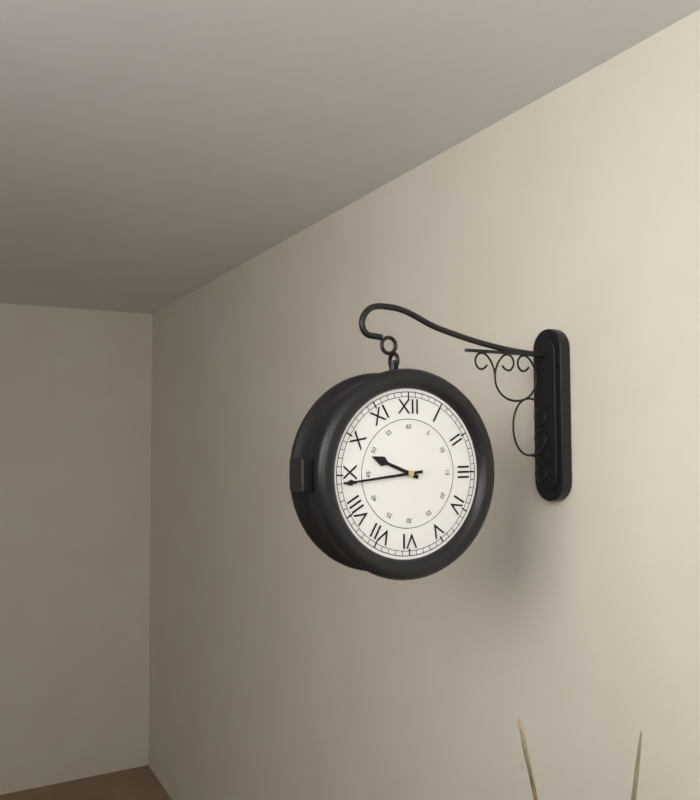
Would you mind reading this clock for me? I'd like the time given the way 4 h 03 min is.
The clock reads 9 h 44 min
